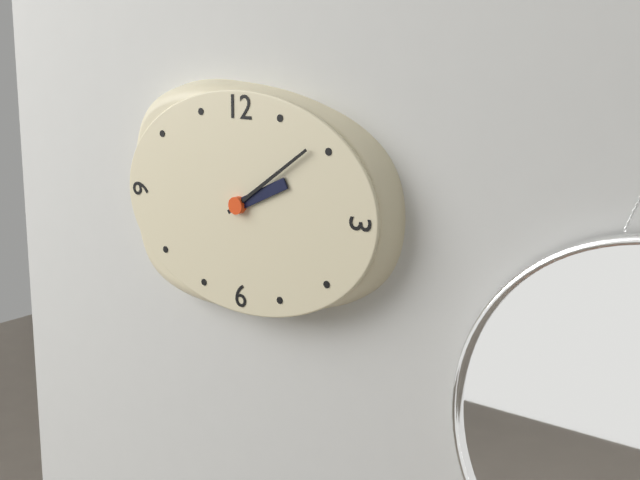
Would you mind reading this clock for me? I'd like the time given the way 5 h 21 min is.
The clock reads 2 h 09 min
